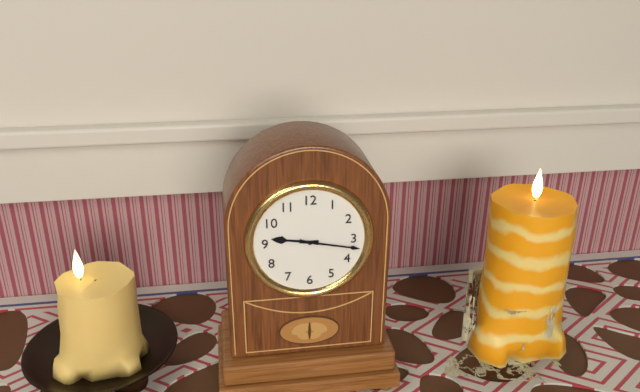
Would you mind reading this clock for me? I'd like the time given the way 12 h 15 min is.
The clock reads 9 h 17 min
